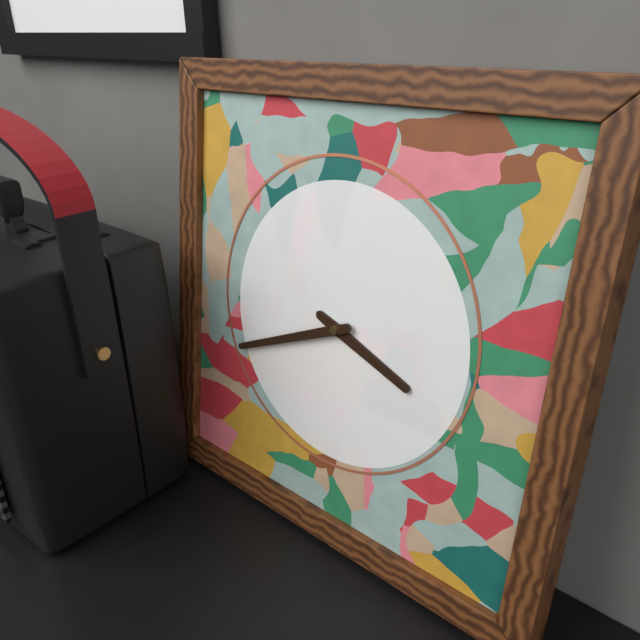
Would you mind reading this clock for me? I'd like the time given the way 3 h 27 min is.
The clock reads 3 h 41 min
